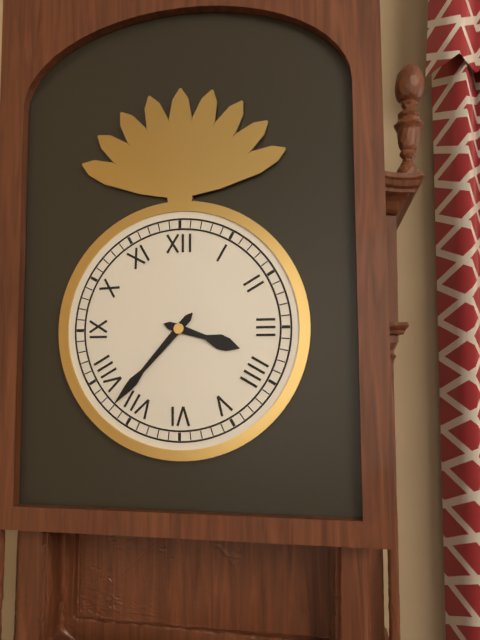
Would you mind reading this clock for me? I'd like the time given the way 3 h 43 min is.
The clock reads 3 h 37 min
